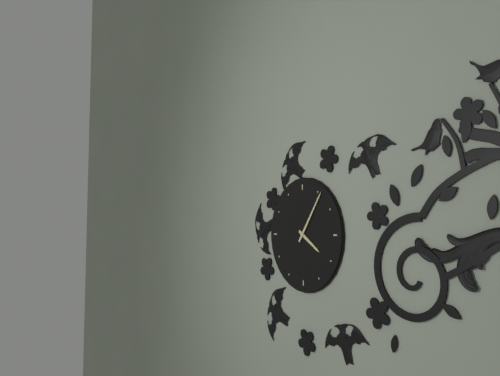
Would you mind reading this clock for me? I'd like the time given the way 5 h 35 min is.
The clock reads 4 h 06 min
